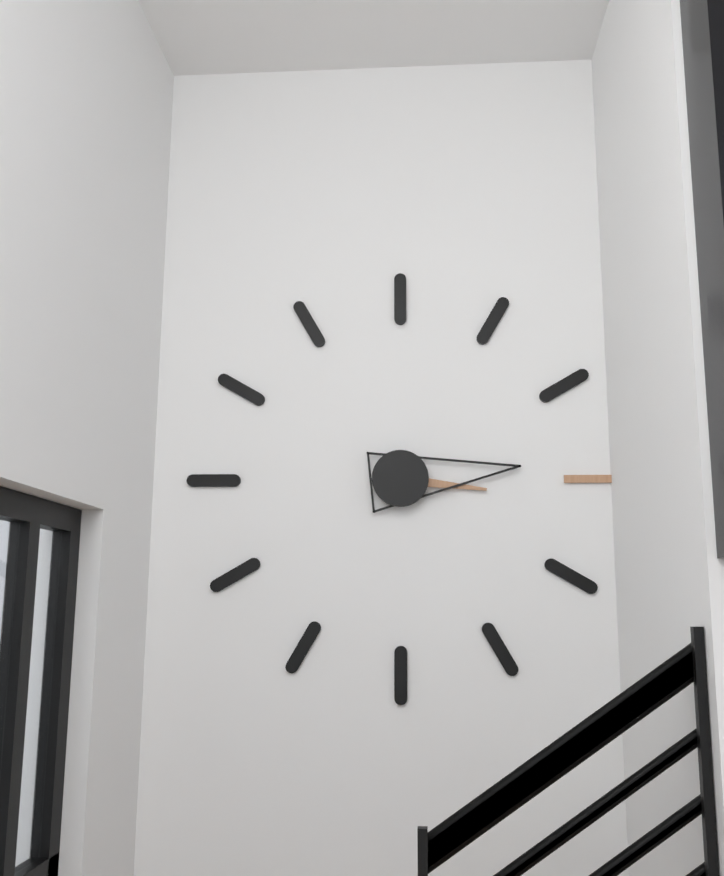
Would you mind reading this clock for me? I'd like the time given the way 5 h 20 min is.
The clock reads 3 h 14 min
